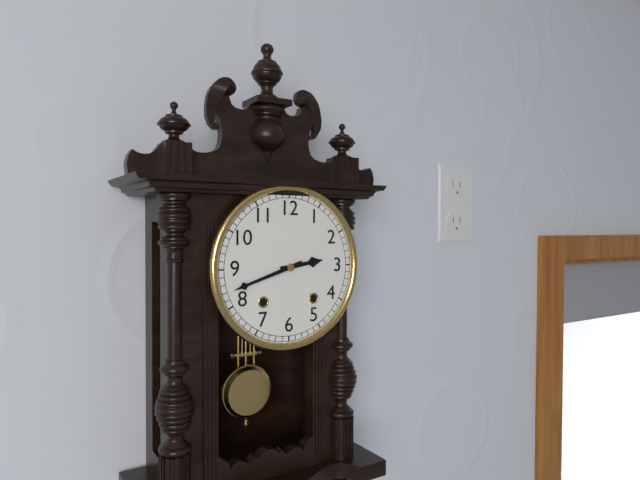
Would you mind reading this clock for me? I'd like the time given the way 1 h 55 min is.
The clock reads 2 h 42 min
